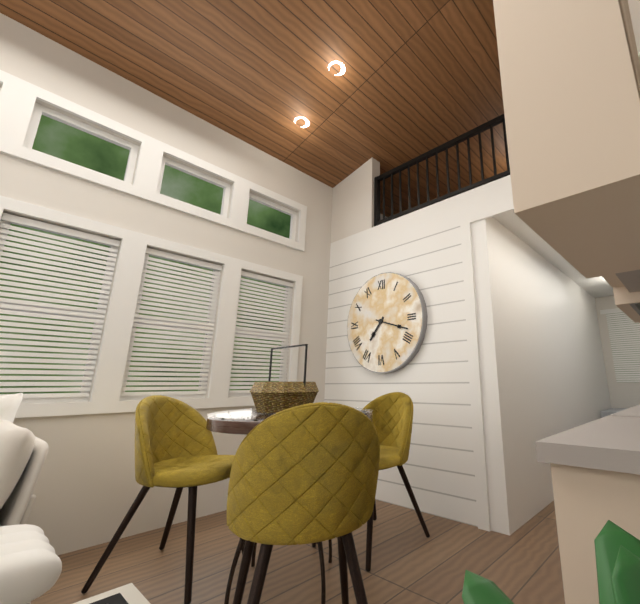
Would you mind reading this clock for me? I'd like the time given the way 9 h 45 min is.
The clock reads 7 h 18 min
